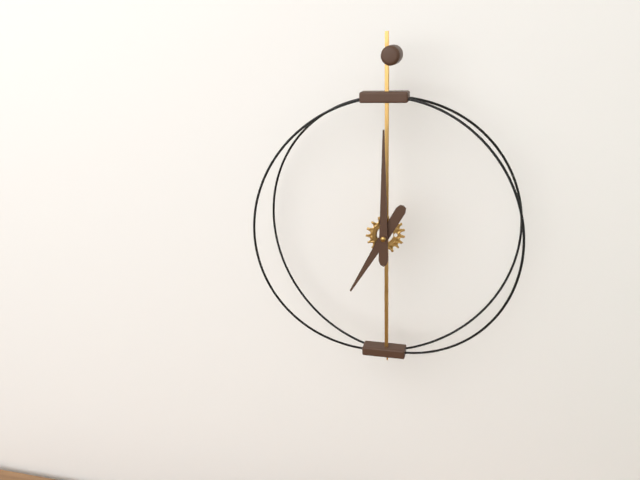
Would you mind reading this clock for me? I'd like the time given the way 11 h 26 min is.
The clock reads 7 h 00 min
